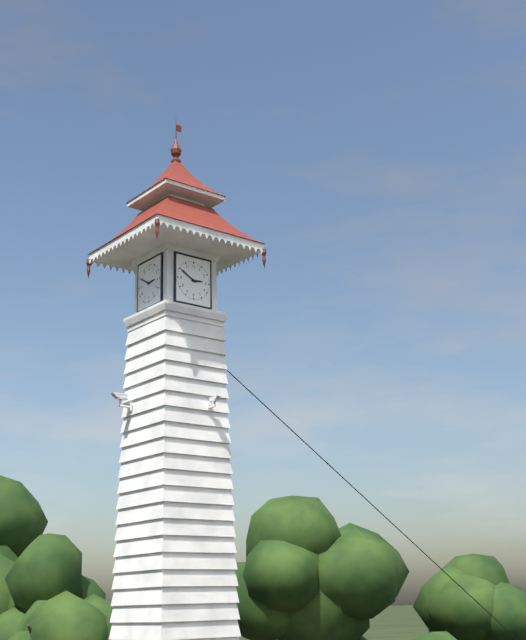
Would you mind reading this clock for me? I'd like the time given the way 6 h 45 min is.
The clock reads 2 h 50 min
